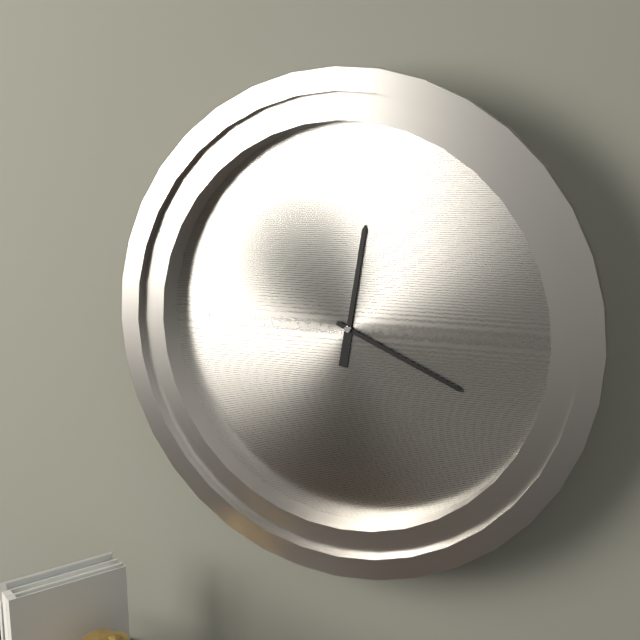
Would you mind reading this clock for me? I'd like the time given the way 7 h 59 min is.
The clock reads 12 h 19 min
